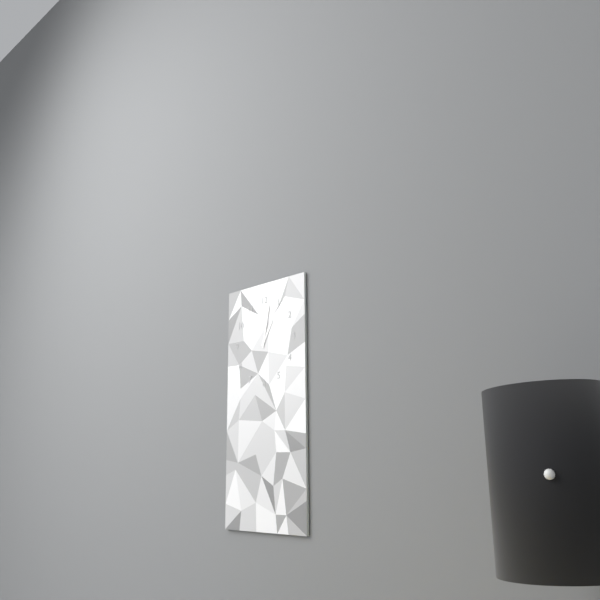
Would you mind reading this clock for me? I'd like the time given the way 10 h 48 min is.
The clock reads 1 h 02 min
